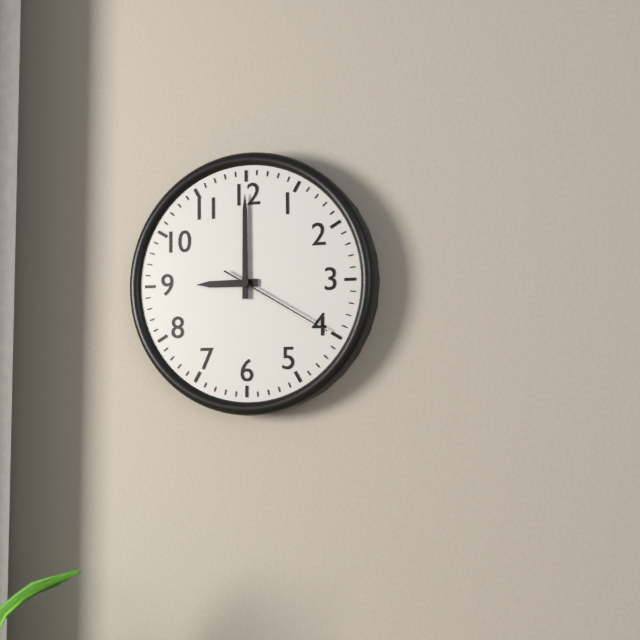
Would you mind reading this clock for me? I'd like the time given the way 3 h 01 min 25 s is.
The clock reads 9 h 00 min 20 s
